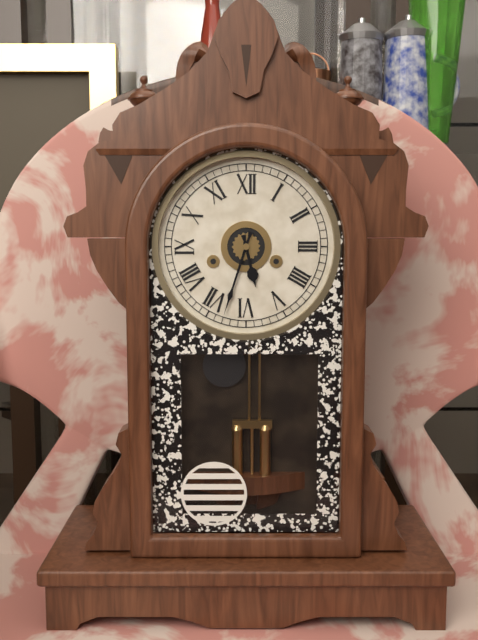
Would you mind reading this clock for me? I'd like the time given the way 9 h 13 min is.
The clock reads 5 h 33 min
